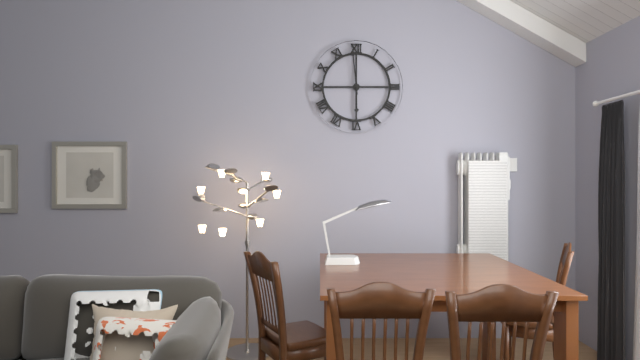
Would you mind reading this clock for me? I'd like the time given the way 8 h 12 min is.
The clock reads 5 h 59 min
